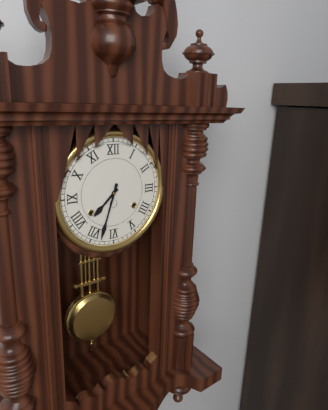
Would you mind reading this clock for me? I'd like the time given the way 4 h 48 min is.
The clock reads 7 h 33 min
